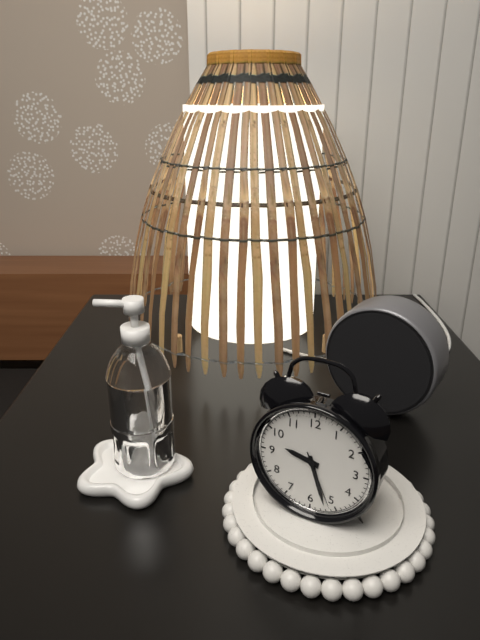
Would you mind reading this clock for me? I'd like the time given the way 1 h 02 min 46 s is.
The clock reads 9 h 27 min 26 s
